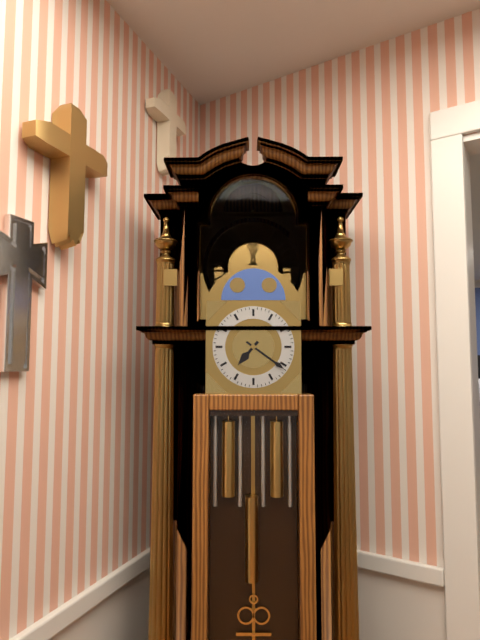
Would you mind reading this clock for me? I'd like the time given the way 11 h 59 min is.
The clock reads 7 h 21 min
